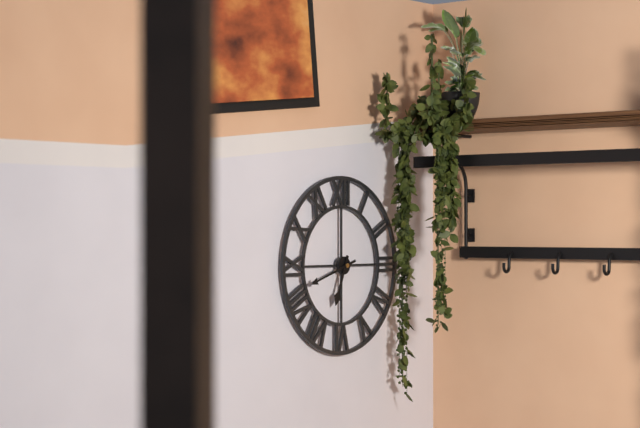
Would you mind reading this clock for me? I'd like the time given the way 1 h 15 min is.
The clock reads 6 h 42 min
